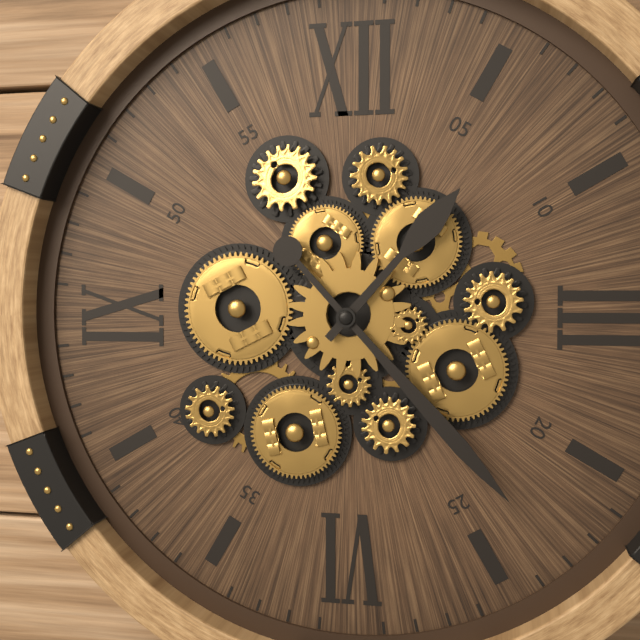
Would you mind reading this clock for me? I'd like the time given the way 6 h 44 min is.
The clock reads 1 h 23 min
